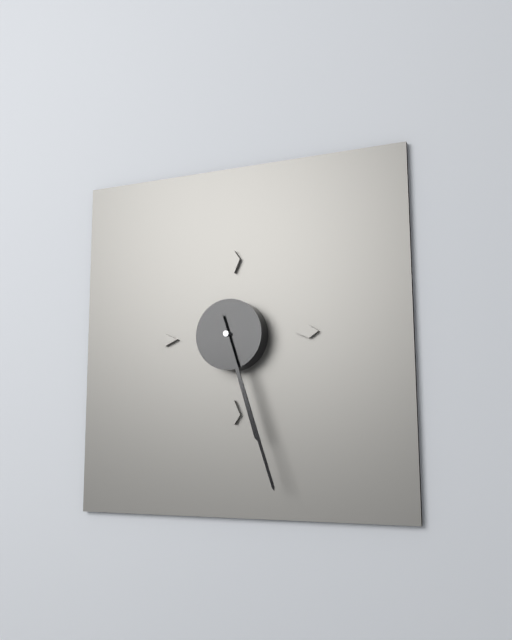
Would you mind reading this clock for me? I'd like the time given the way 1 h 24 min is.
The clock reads 5 h 27 min
